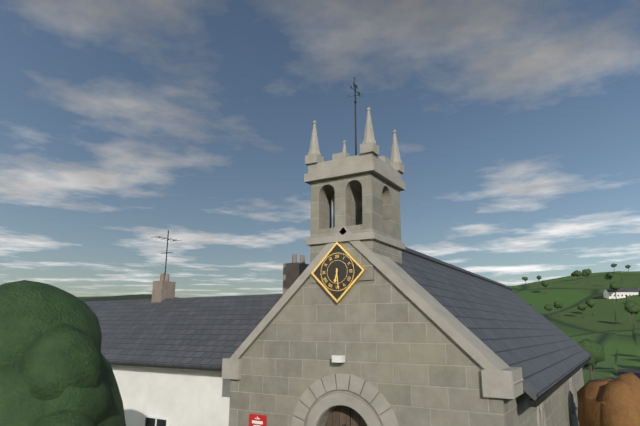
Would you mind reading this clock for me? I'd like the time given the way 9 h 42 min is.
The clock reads 6 h 29 min
